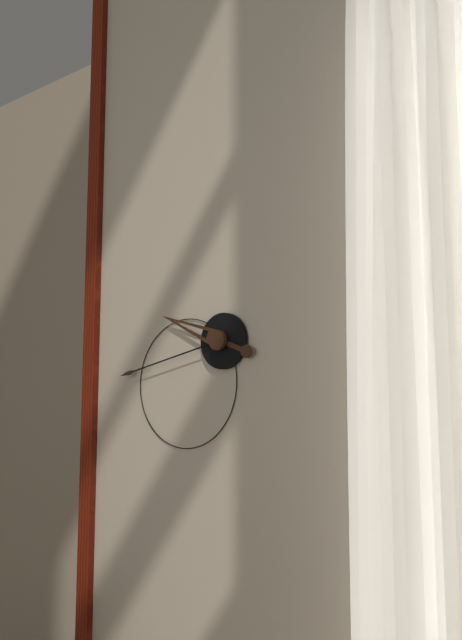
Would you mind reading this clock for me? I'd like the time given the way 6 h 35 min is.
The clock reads 9 h 43 min
